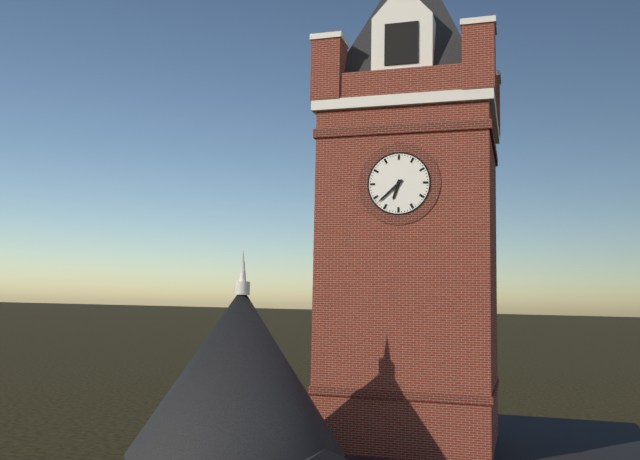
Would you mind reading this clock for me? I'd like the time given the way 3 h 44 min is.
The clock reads 6 h 38 min
